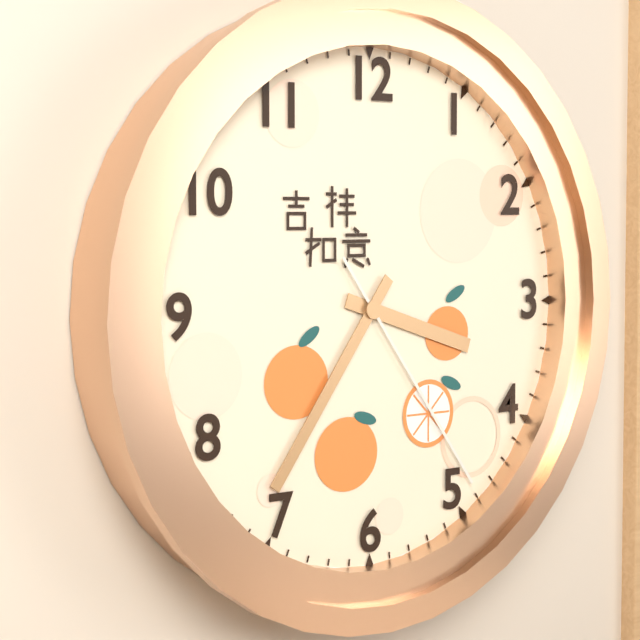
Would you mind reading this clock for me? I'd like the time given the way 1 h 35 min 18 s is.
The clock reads 3 h 36 min 24 s
